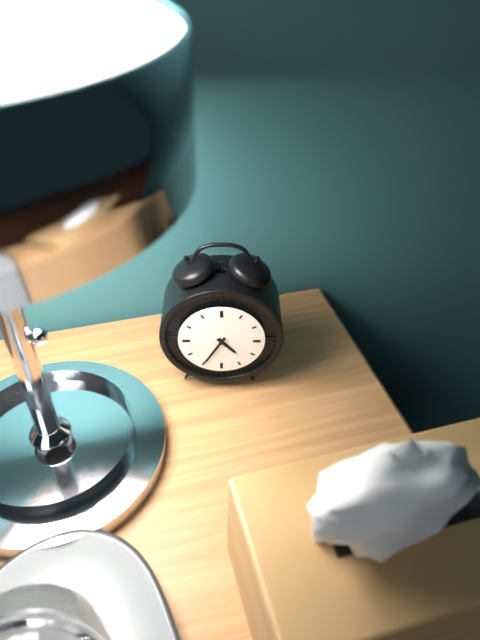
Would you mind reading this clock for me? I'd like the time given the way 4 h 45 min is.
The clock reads 4 h 35 min
